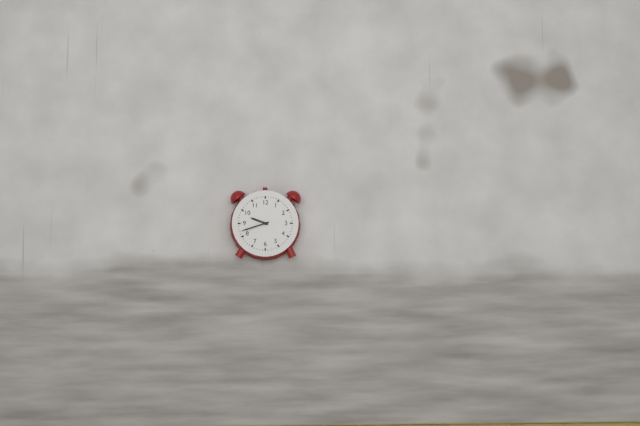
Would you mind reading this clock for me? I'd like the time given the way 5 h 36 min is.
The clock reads 9 h 42 min
